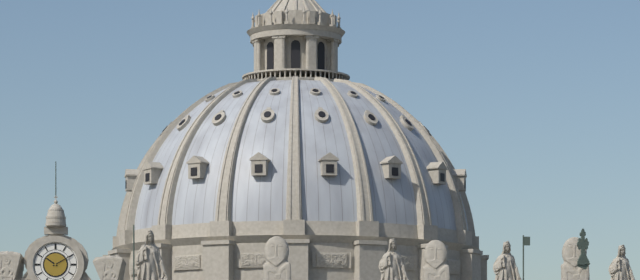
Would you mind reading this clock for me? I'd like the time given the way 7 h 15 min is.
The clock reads 10 h 10 min
